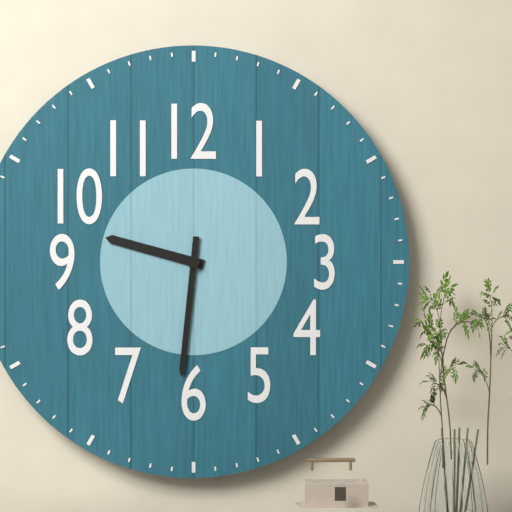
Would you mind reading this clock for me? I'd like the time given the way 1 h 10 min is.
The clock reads 9 h 31 min
